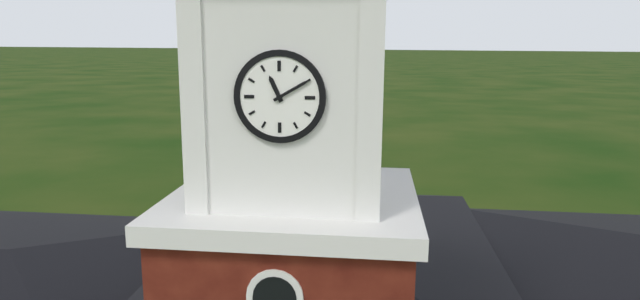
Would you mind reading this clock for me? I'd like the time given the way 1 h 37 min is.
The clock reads 11 h 10 min
